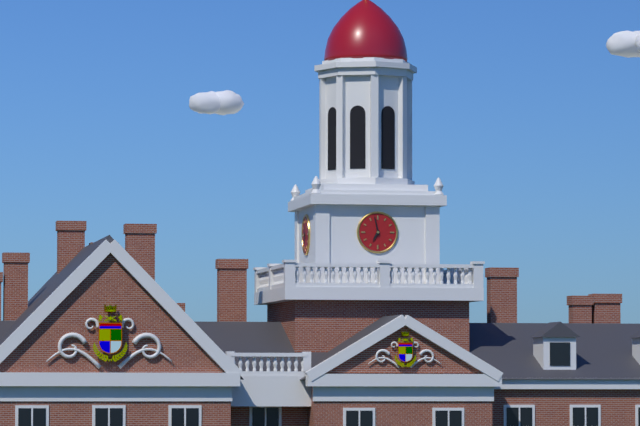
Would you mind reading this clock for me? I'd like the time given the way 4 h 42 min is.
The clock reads 6 h 58 min
